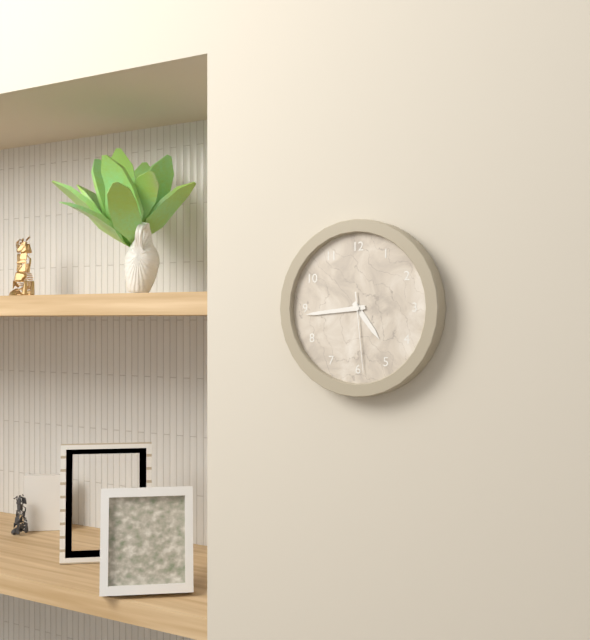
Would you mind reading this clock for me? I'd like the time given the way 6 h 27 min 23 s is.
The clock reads 4 h 44 min 29 s
